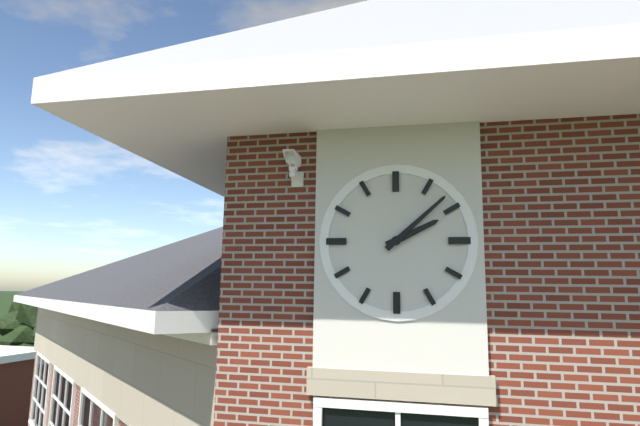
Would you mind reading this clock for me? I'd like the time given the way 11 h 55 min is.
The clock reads 2 h 08 min
